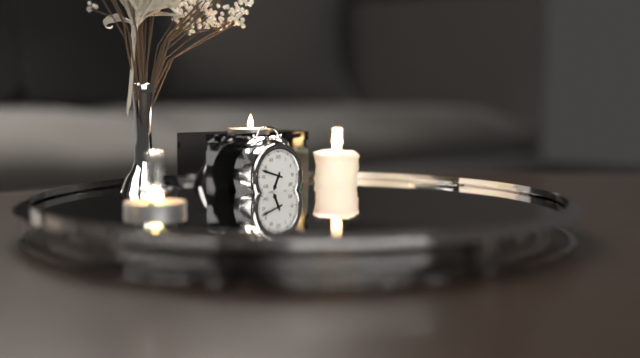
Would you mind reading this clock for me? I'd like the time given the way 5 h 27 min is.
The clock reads 6 h 48 min
